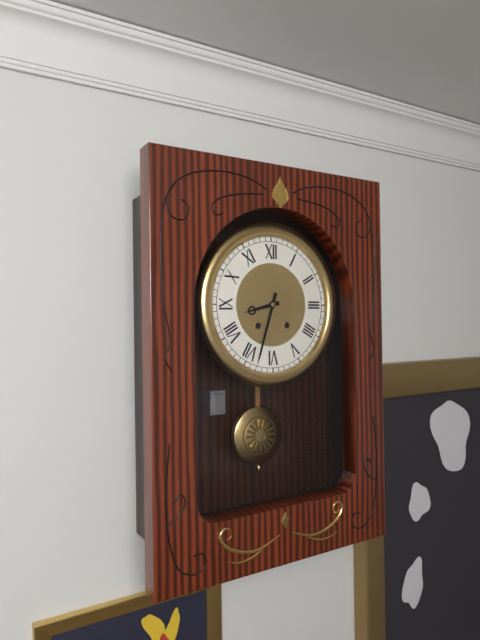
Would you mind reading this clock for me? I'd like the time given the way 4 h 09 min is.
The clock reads 8 h 33 min
